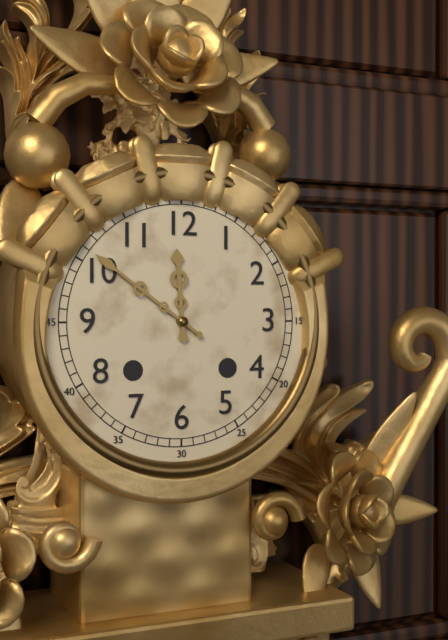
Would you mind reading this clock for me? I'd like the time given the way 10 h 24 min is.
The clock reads 11 h 51 min
